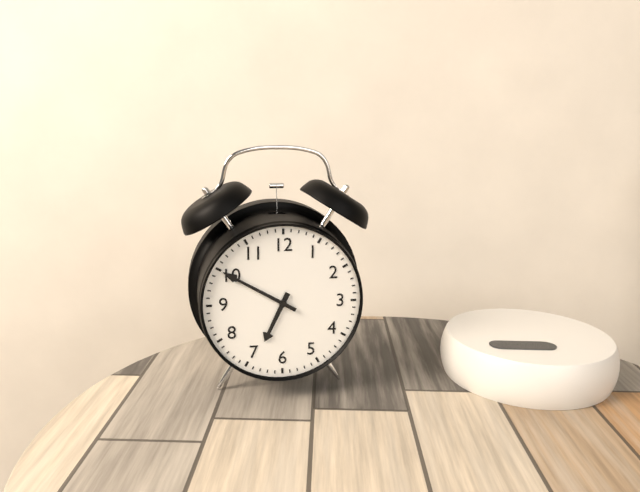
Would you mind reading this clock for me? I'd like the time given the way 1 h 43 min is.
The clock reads 6 h 50 min
